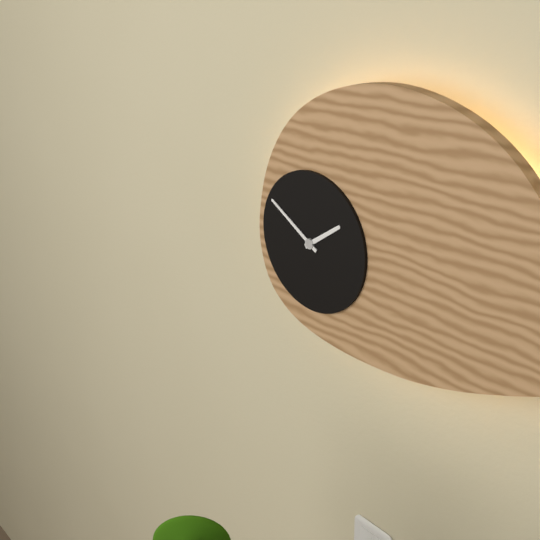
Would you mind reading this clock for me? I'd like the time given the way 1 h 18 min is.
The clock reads 1 h 50 min
